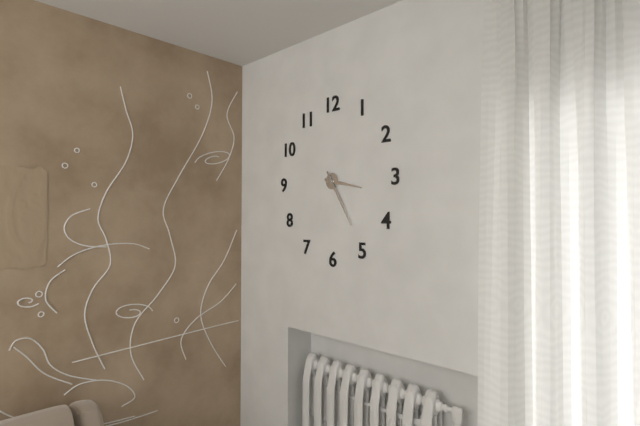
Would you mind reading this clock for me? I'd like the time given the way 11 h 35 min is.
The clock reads 3 h 25 min
